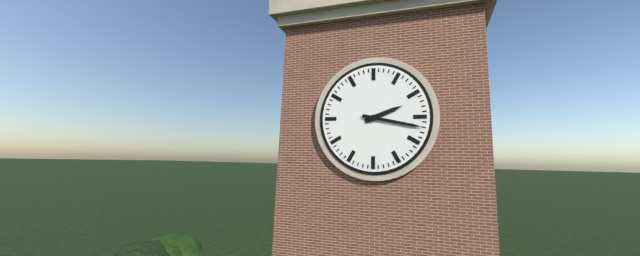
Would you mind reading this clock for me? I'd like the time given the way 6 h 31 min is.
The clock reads 2 h 17 min
